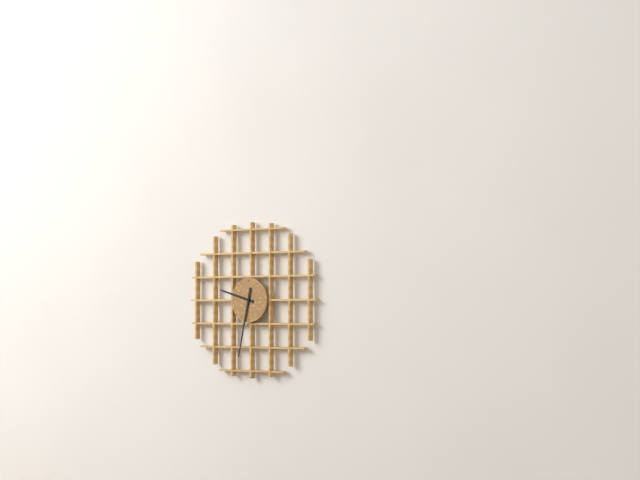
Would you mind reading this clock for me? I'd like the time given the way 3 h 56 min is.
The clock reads 9 h 32 min
